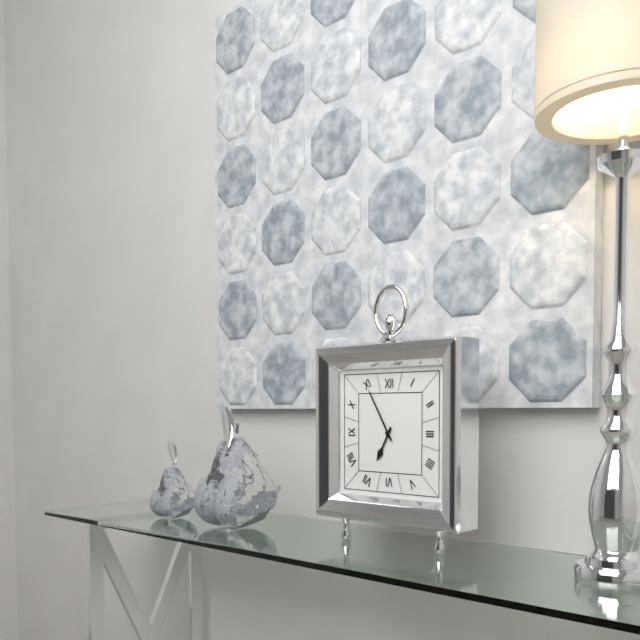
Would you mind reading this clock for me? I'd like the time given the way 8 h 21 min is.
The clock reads 6 h 55 min
